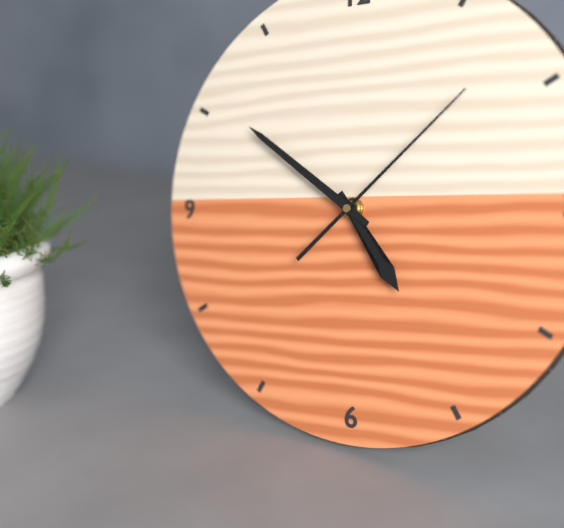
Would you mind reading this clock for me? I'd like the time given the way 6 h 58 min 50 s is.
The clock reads 4 h 51 min 08 s
